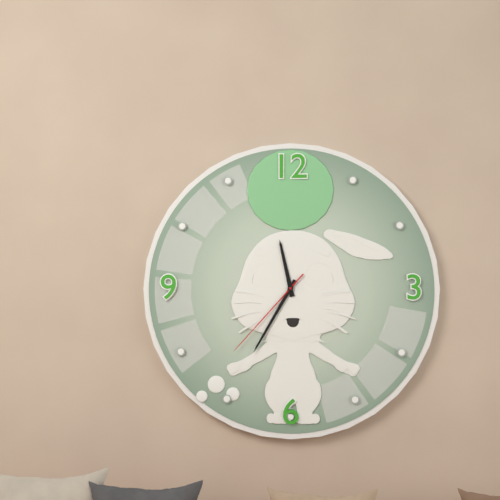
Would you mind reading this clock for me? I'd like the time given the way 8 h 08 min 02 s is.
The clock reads 11 h 35 min 37 s
